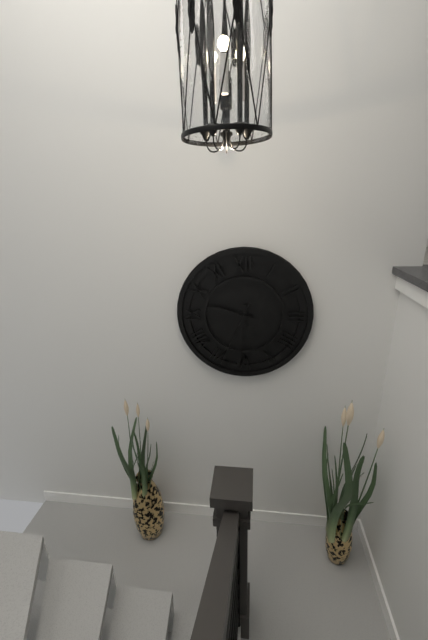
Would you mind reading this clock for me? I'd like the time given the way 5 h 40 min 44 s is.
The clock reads 9 h 31 min 34 s
